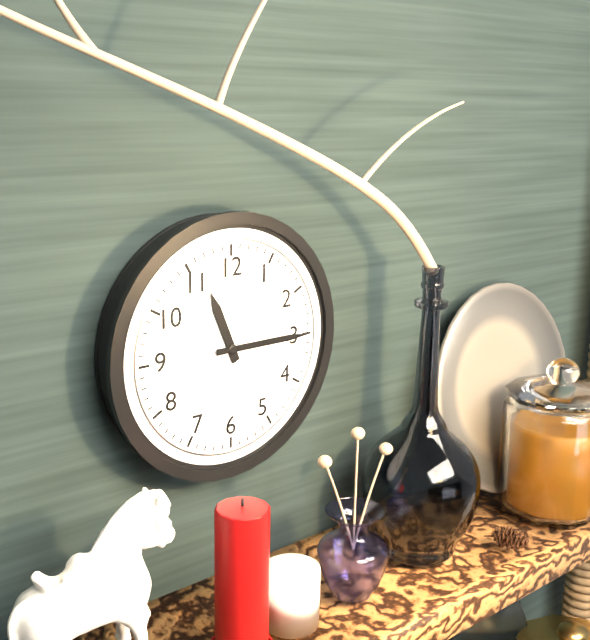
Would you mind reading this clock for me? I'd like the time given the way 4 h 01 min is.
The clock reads 11 h 15 min
